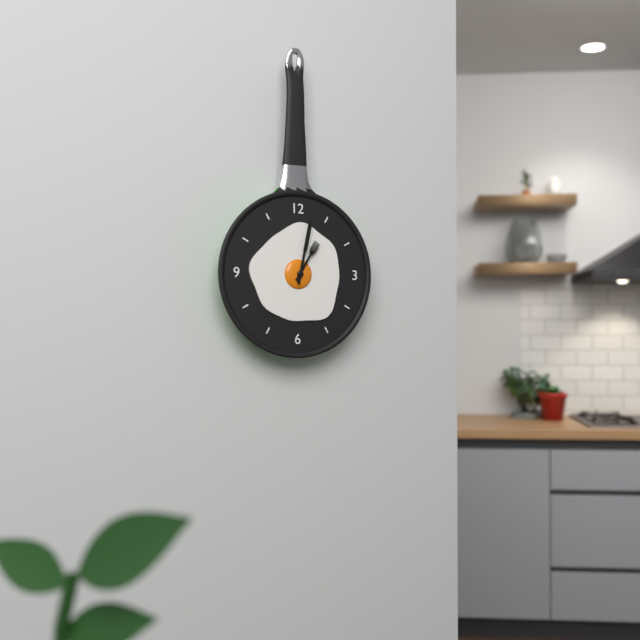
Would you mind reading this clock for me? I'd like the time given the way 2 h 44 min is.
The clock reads 1 h 02 min
